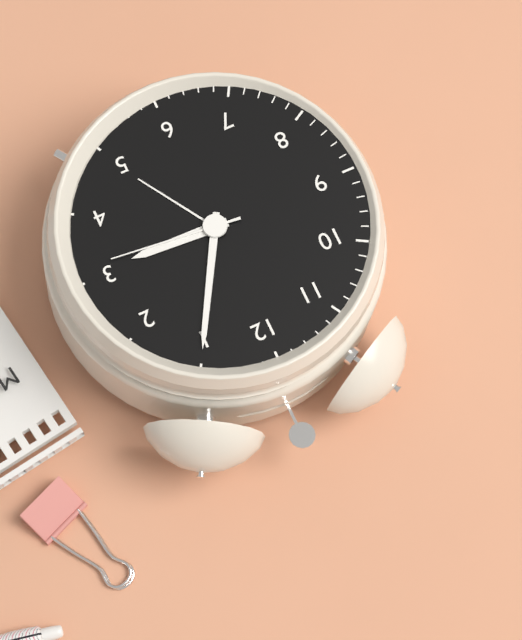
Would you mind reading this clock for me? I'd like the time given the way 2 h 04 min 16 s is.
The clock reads 3 h 05 min 16 s
